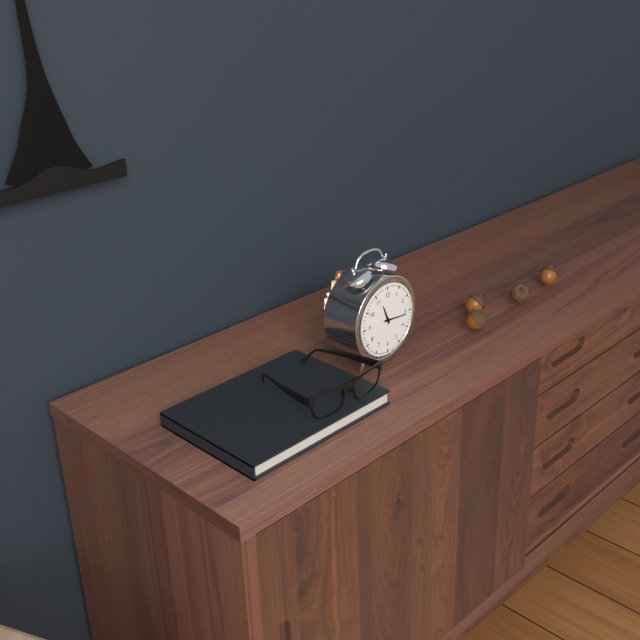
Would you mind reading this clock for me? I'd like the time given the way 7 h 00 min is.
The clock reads 11 h 16 min
